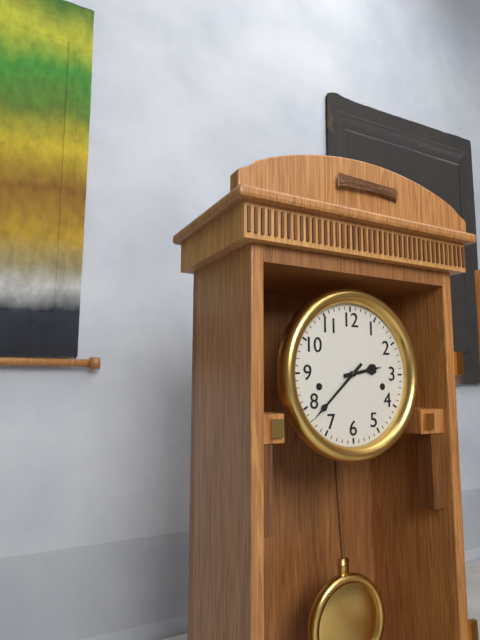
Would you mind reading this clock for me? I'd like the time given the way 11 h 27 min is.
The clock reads 2 h 38 min
